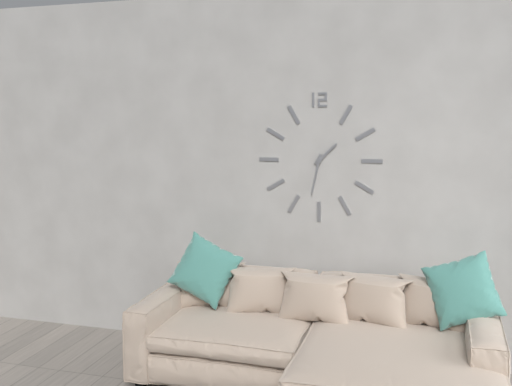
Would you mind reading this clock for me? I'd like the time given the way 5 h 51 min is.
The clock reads 1 h 32 min
